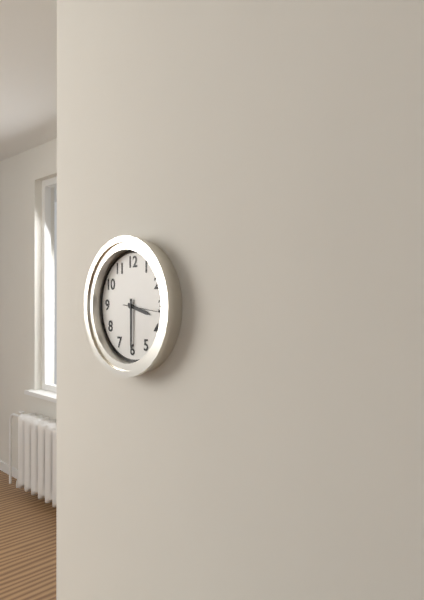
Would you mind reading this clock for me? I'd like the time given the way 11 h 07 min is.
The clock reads 3 h 30 min
